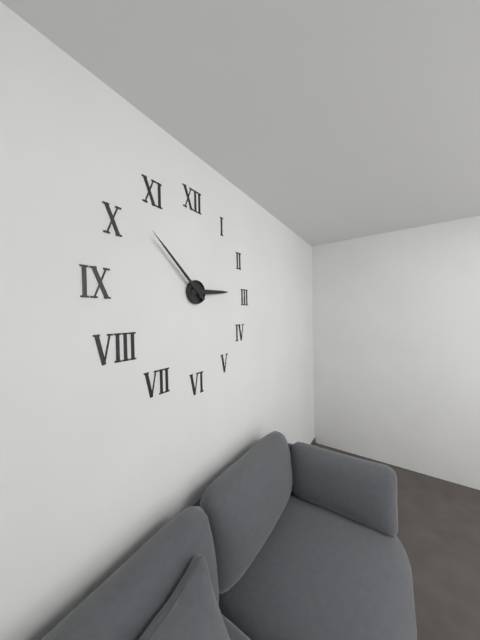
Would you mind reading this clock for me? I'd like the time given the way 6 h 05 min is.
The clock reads 2 h 52 min
